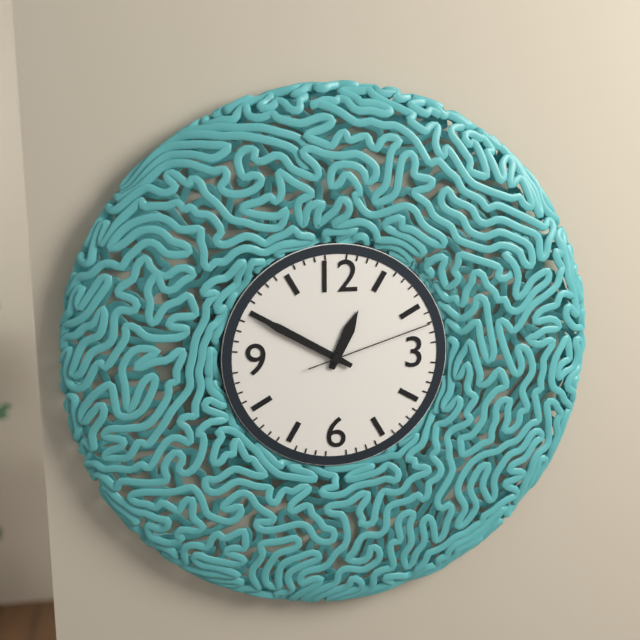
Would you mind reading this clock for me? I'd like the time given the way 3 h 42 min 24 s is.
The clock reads 12 h 50 min 12 s
